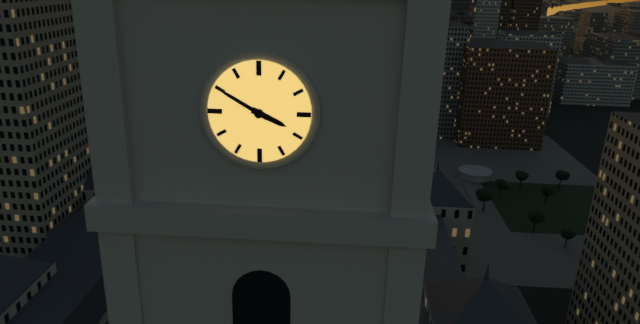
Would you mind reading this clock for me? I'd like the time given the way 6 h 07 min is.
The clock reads 3 h 50 min
